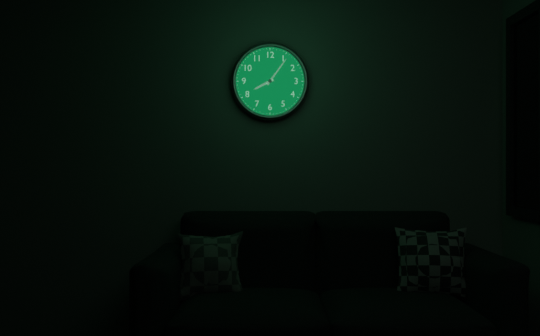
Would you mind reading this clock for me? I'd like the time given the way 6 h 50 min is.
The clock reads 8 h 06 min
